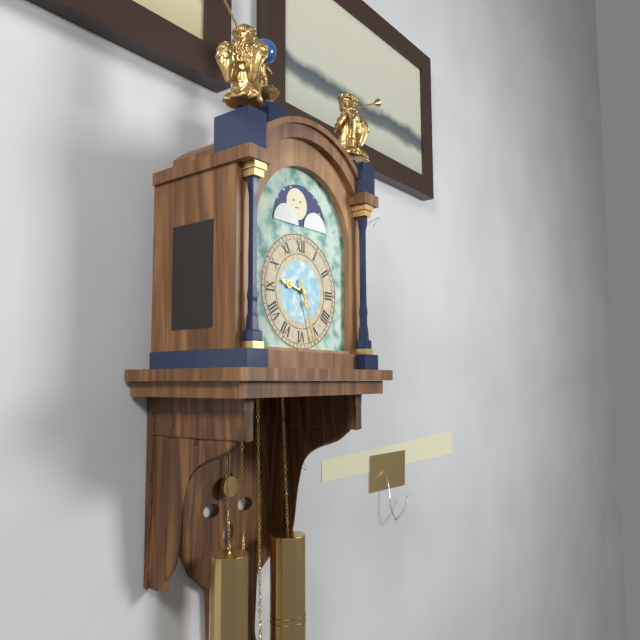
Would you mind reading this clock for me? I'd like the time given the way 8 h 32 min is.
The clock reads 9 h 27 min
